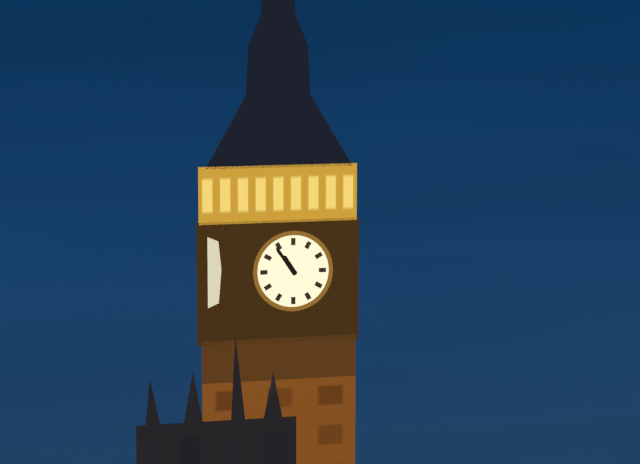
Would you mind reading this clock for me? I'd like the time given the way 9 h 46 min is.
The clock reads 10 h 54 min
